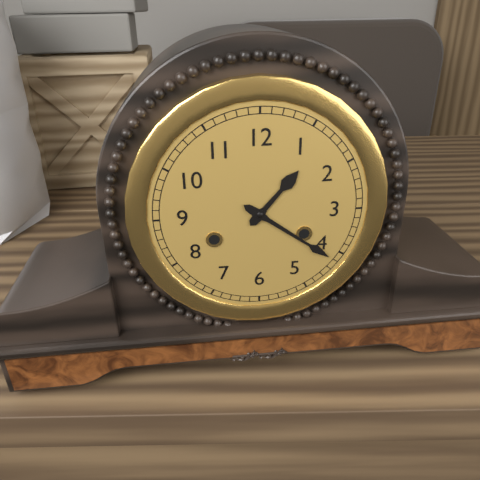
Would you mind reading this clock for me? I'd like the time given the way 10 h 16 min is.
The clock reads 1 h 21 min
